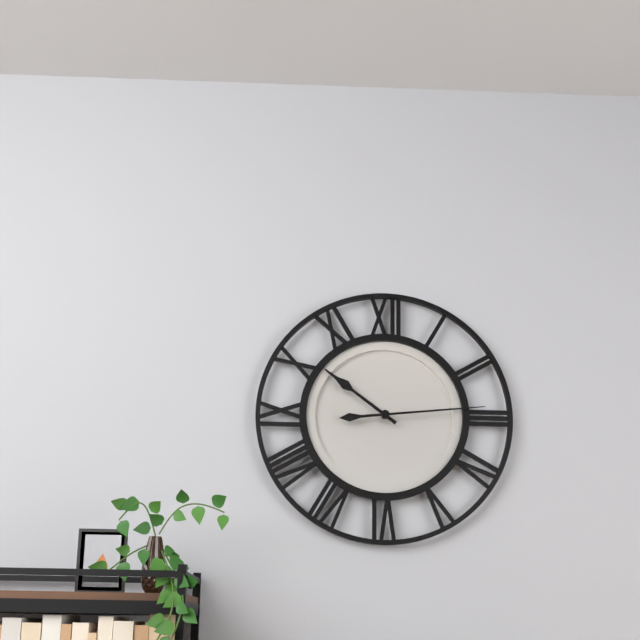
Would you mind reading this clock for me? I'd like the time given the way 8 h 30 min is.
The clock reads 10 h 14 min
